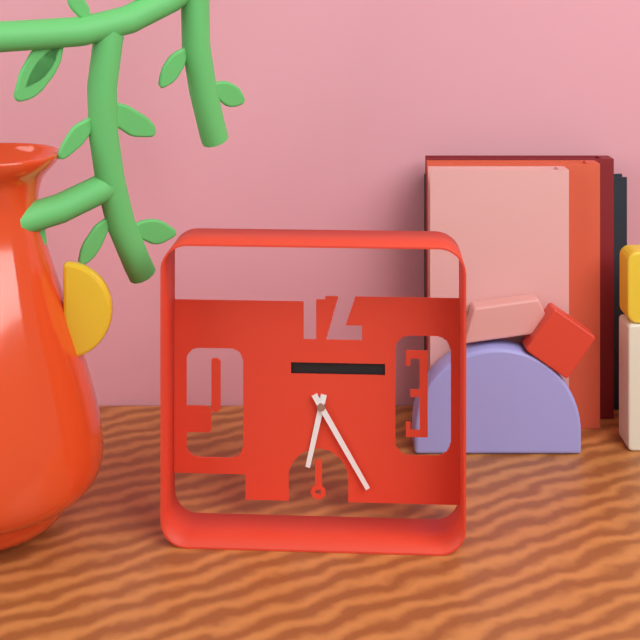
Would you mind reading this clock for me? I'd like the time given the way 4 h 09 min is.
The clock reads 6 h 25 min
